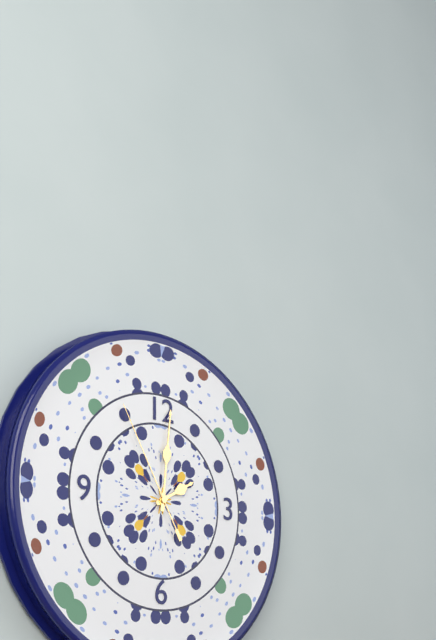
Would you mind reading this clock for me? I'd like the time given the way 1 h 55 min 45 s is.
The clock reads 2 h 01 min 55 s
